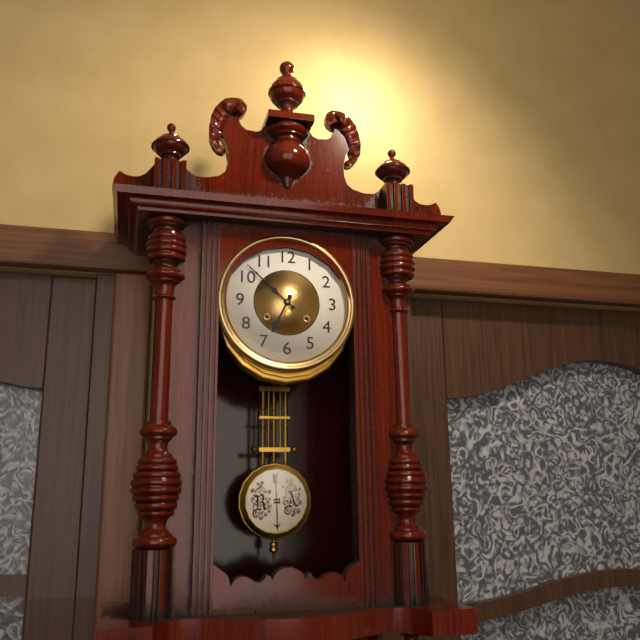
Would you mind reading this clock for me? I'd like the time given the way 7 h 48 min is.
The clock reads 6 h 52 min
